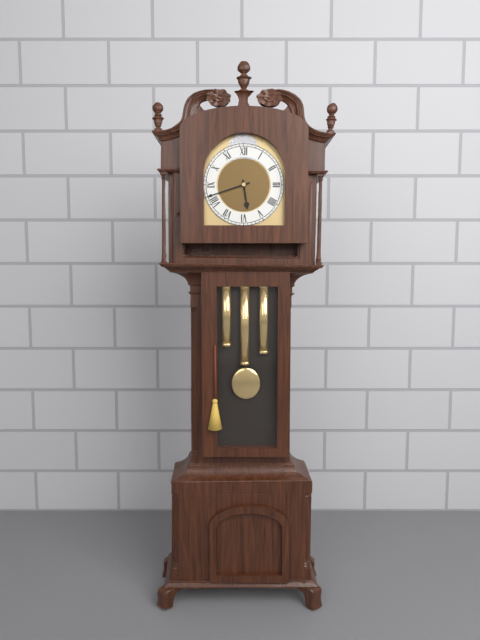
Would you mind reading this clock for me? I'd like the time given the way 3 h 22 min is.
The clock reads 5 h 42 min
